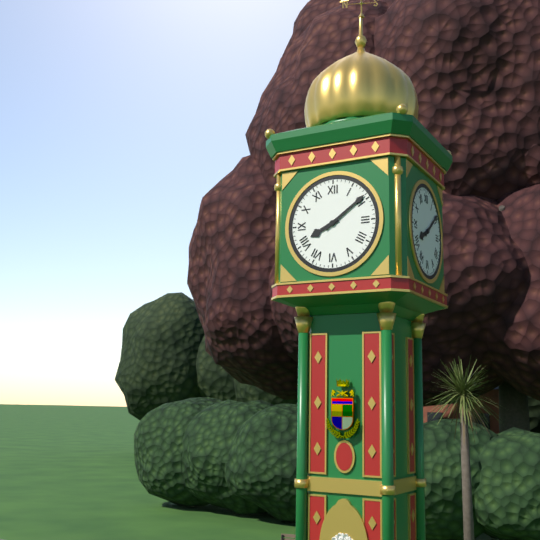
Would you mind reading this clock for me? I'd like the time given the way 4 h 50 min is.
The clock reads 8 h 09 min
